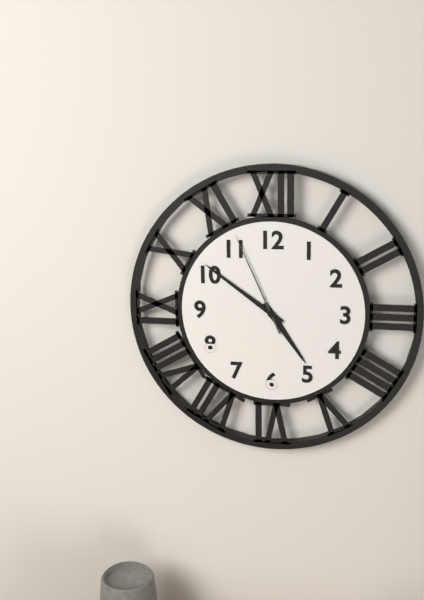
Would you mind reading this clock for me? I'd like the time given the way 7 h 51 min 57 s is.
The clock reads 4 h 51 min 56 s
